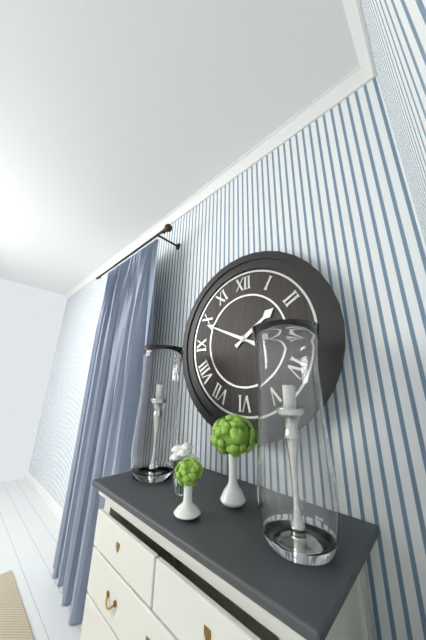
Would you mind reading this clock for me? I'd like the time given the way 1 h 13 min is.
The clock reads 1 h 49 min
